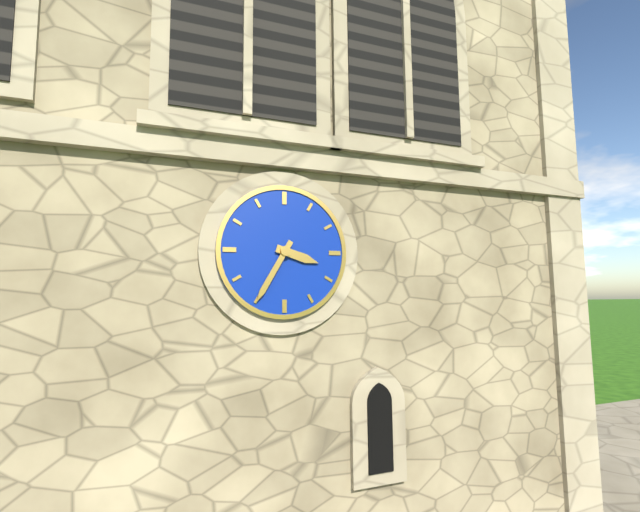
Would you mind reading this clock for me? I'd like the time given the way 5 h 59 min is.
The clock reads 3 h 35 min
